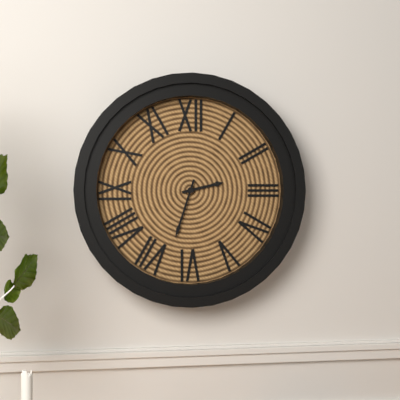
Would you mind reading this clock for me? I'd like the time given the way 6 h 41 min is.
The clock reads 2 h 33 min
